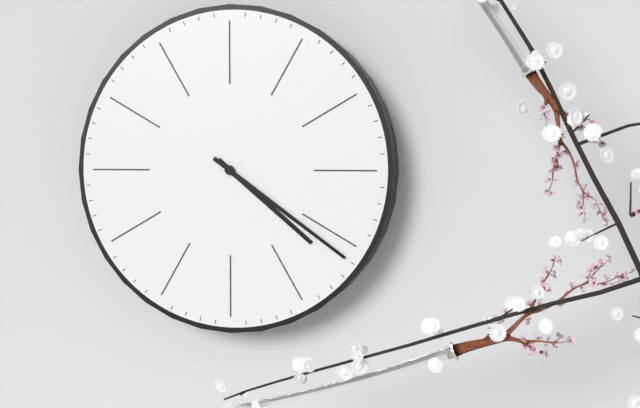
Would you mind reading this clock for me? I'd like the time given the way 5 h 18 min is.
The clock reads 4 h 21 min
